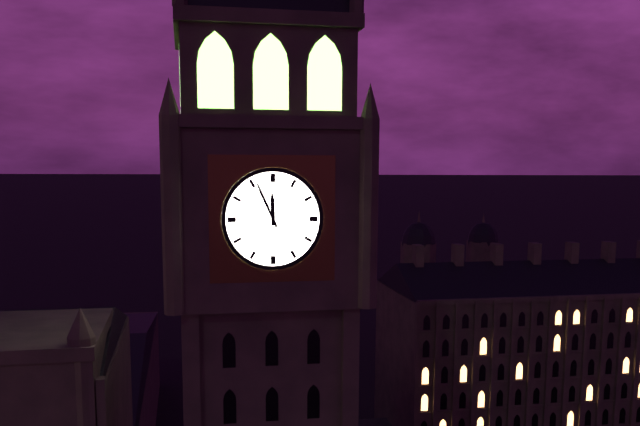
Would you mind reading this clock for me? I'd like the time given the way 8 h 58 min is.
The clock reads 11 h 56 min
